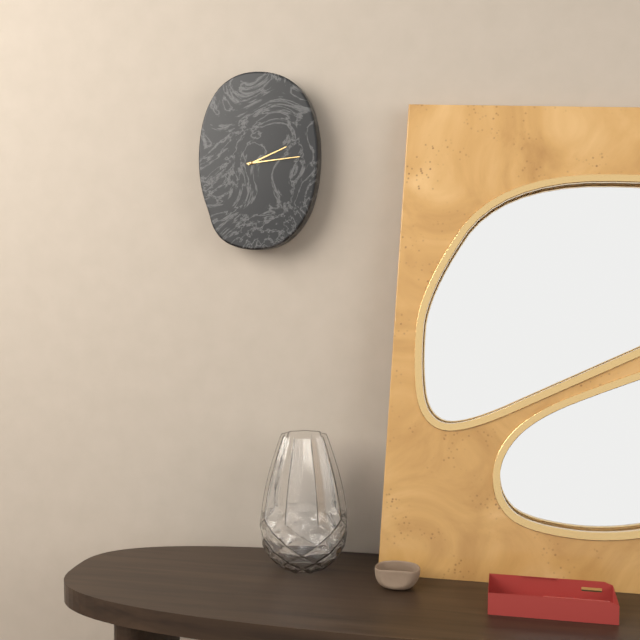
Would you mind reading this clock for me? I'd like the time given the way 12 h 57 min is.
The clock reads 2 h 14 min
